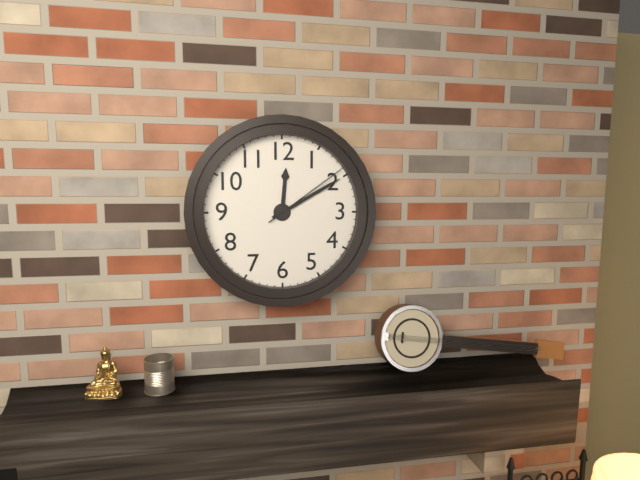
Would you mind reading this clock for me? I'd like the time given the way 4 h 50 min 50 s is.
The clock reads 12 h 10 min 09 s
